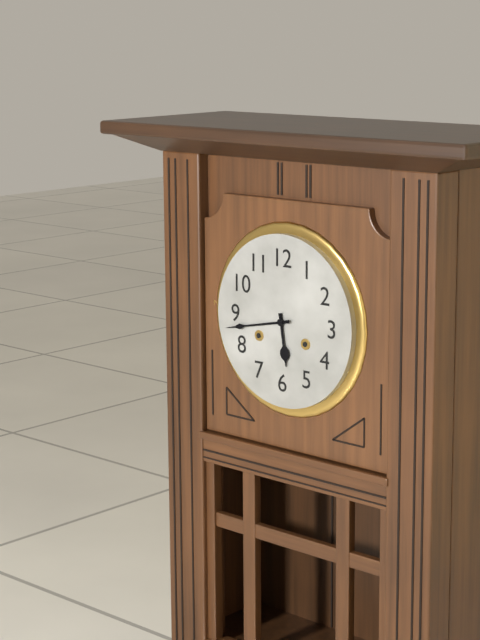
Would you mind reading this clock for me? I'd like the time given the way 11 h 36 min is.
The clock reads 5 h 43 min
